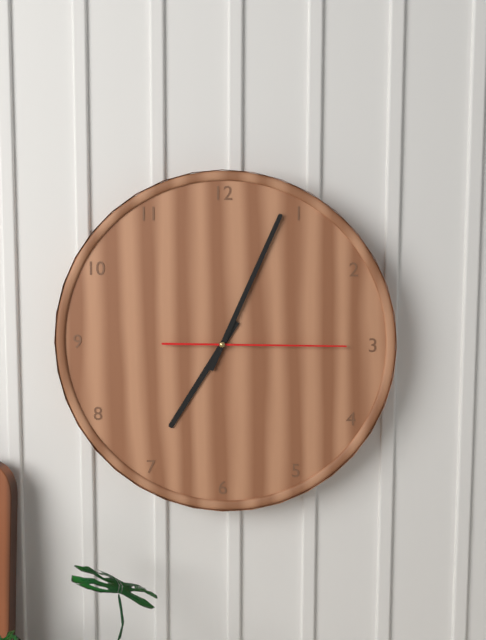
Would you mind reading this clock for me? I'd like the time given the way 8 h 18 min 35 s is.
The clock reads 7 h 04 min 15 s
